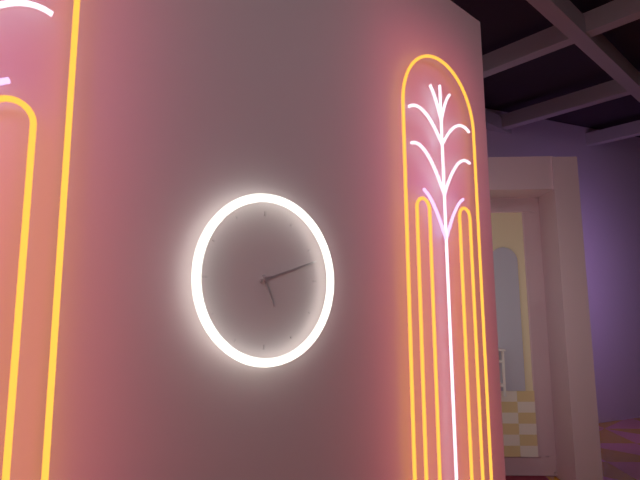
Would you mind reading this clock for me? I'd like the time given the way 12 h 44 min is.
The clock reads 5 h 12 min
